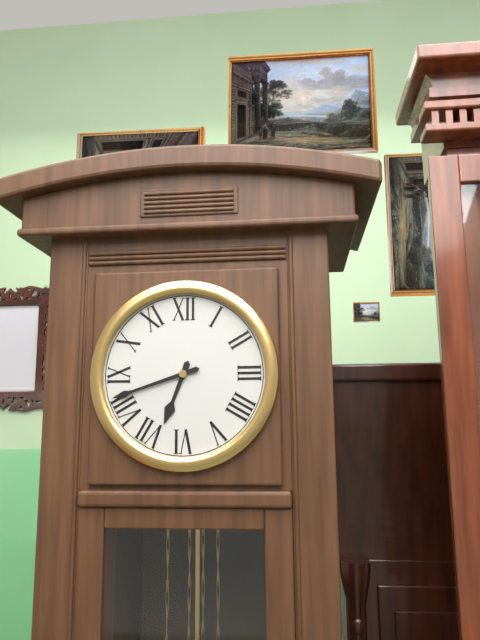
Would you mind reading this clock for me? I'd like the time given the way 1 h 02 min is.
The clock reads 6 h 42 min
